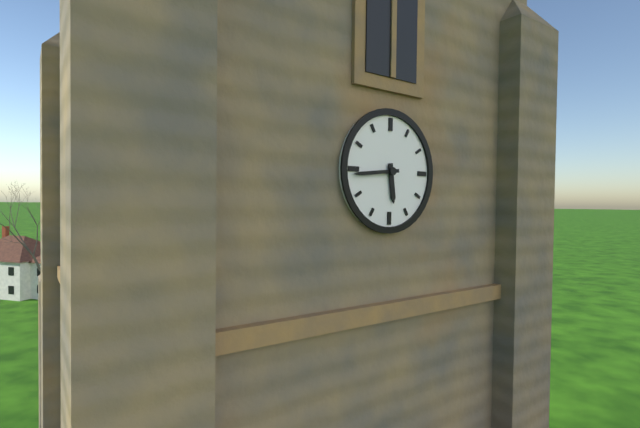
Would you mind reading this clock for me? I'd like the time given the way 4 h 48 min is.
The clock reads 5 h 44 min
